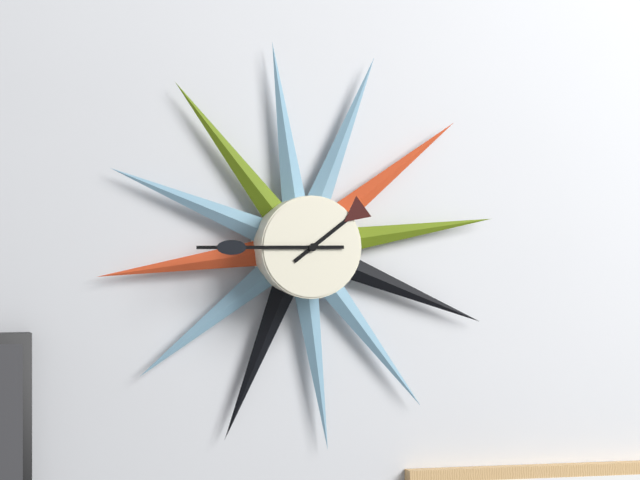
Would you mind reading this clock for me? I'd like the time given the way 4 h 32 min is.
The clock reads 1 h 45 min
